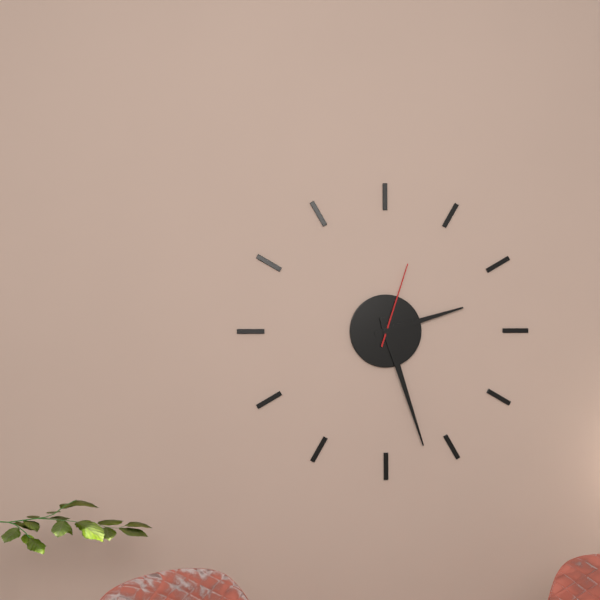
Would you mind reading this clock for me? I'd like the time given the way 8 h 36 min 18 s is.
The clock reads 2 h 27 min 03 s
